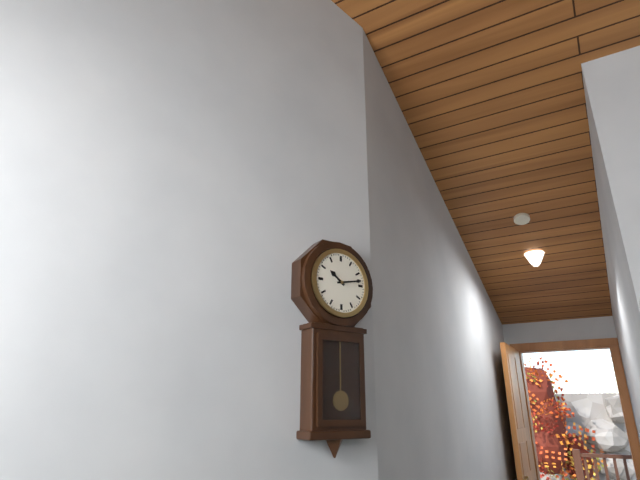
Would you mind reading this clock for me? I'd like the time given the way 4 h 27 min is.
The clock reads 10 h 13 min
